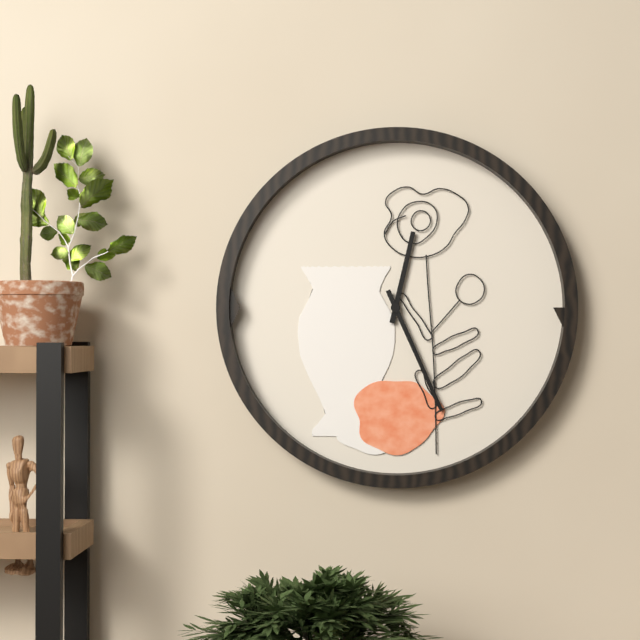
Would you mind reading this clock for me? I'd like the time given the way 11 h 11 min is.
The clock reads 12 h 26 min
